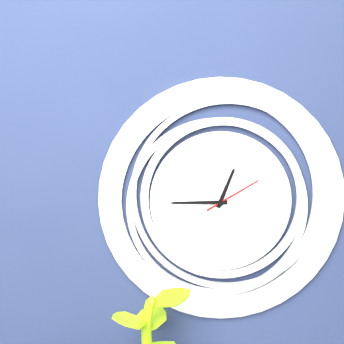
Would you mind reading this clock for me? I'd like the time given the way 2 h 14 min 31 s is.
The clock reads 12 h 45 min 10 s
